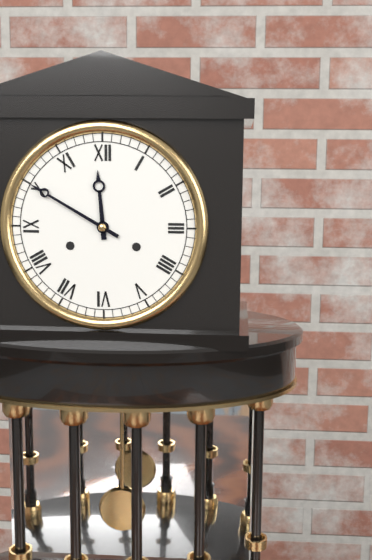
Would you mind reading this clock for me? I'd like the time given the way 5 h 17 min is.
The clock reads 11 h 50 min
